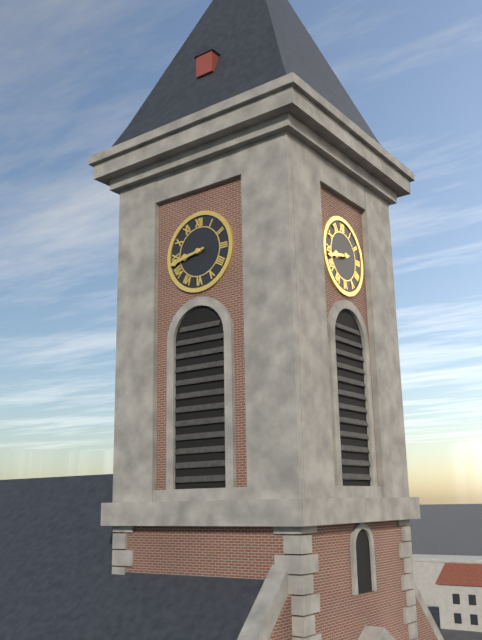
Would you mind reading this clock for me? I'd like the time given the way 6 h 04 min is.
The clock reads 8 h 43 min
